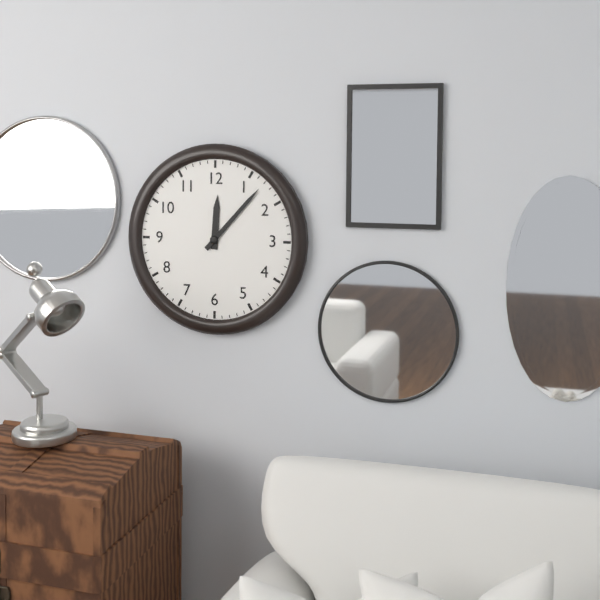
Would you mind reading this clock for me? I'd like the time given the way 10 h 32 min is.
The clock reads 12 h 07 min
